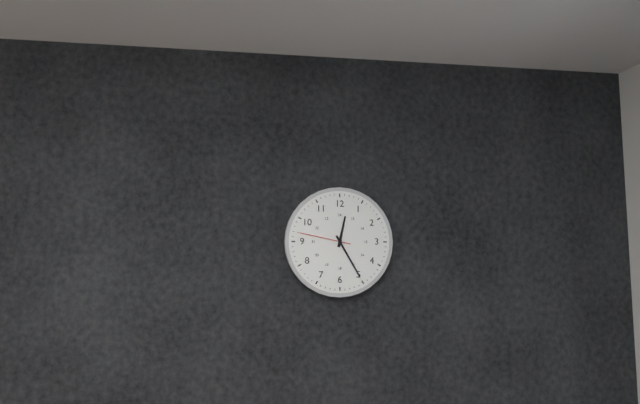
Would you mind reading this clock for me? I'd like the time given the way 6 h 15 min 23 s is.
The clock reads 12 h 25 min 47 s
